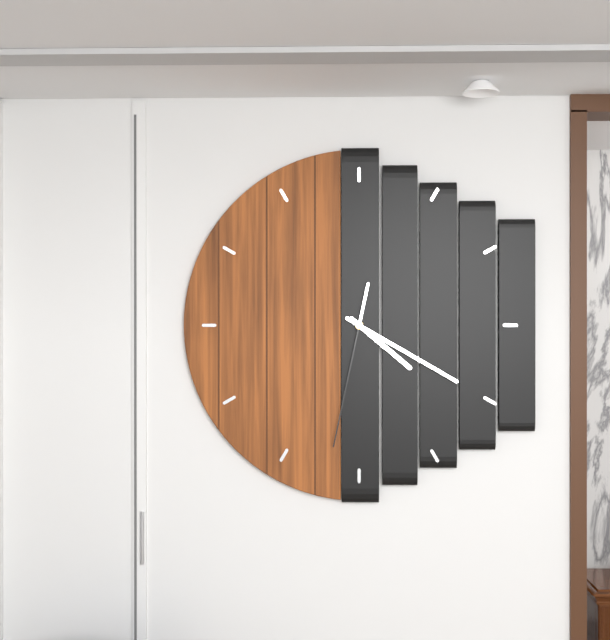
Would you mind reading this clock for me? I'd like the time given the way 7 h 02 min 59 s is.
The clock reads 4 h 20 min 32 s
